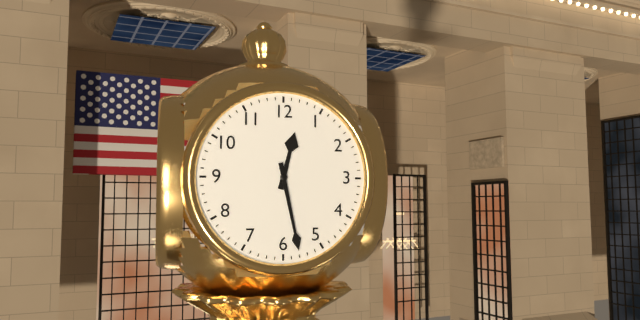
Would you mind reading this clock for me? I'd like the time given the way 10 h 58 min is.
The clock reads 12 h 28 min
